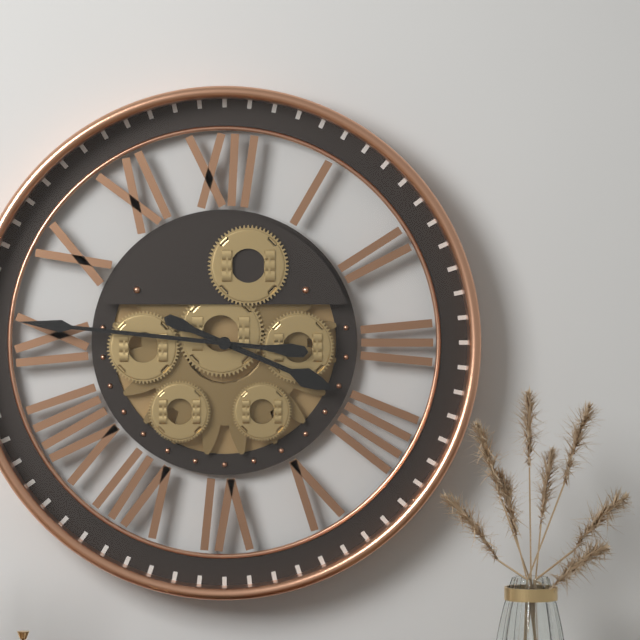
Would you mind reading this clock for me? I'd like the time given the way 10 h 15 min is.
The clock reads 3 h 46 min
